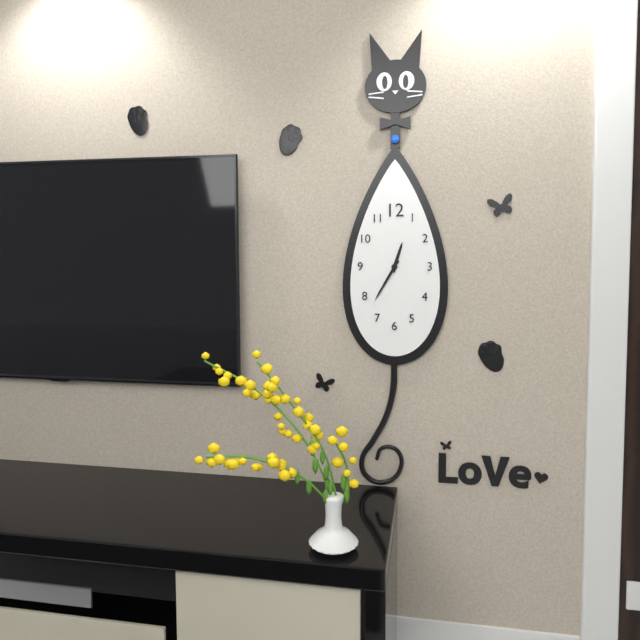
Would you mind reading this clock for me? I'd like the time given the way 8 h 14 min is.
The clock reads 12 h 35 min
